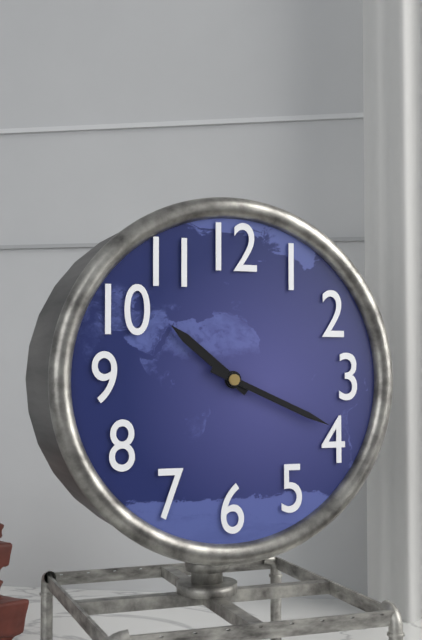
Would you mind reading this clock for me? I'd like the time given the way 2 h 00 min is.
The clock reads 10 h 19 min
